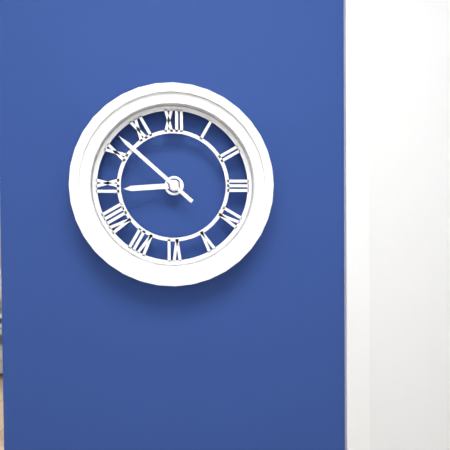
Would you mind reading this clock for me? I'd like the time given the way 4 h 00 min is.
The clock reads 8 h 52 min
